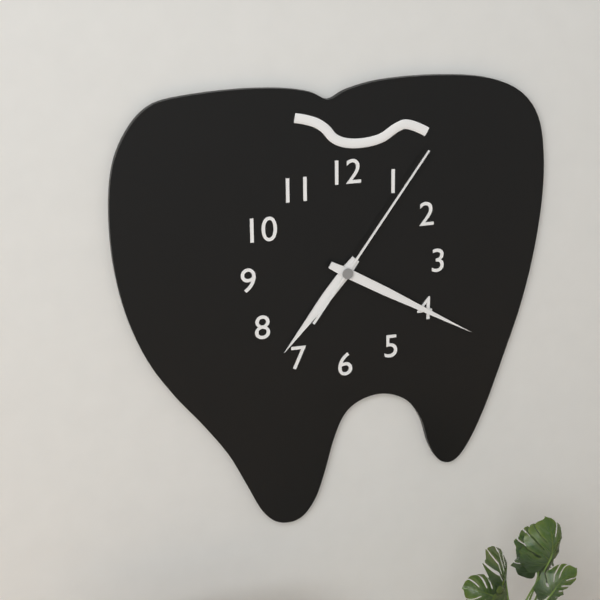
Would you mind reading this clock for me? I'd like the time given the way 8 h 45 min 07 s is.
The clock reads 7 h 20 min 06 s
